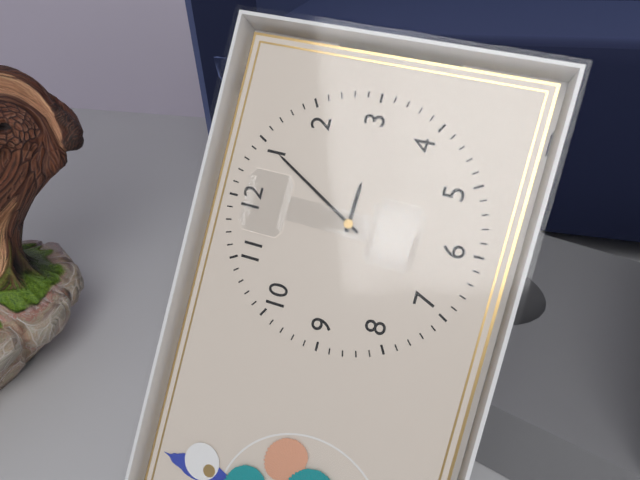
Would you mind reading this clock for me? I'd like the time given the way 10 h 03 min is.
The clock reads 3 h 05 min
